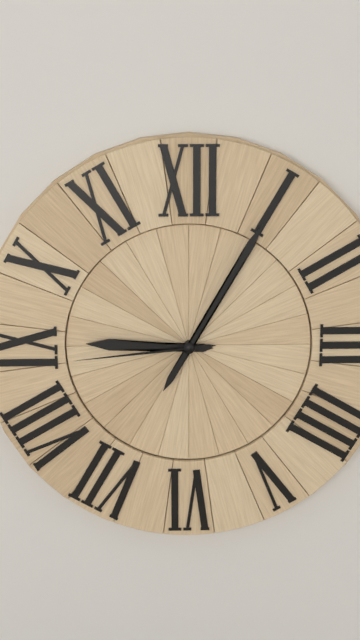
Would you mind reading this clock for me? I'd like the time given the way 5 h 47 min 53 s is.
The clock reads 9 h 05 min 44 s
